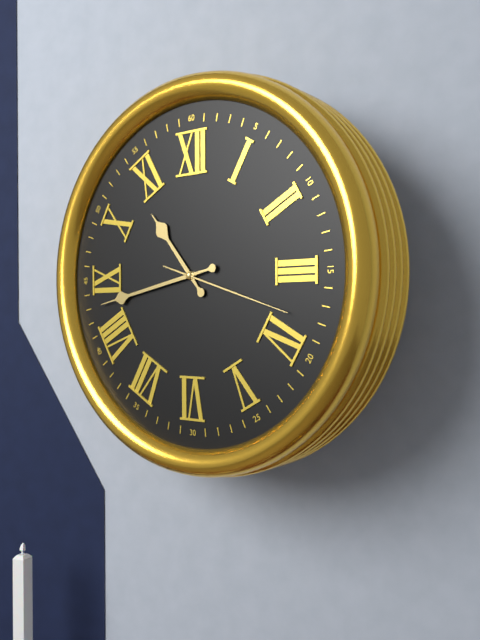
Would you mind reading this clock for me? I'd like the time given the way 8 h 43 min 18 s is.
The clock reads 10 h 43 min 18 s
